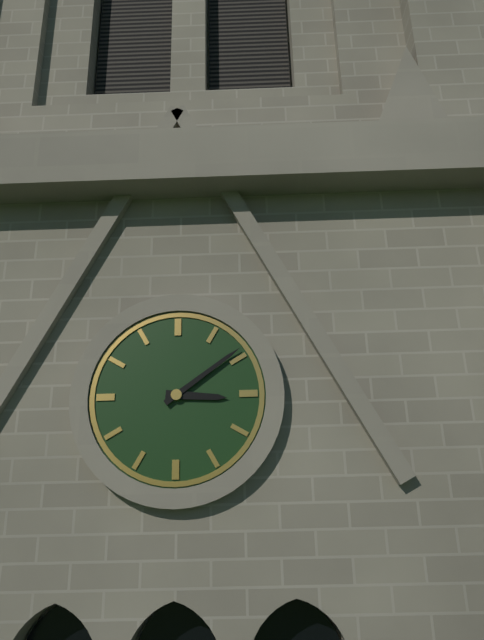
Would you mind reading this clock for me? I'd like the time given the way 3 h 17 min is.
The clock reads 3 h 09 min
